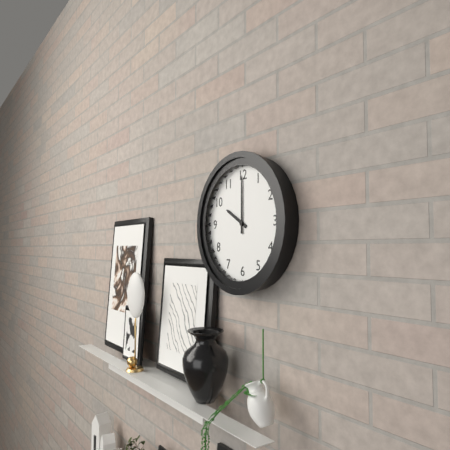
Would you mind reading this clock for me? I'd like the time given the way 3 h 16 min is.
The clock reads 10 h 00 min
